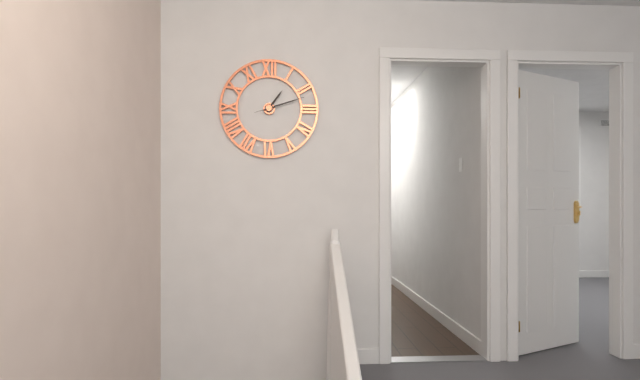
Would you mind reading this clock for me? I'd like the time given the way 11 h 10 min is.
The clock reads 1 h 12 min
